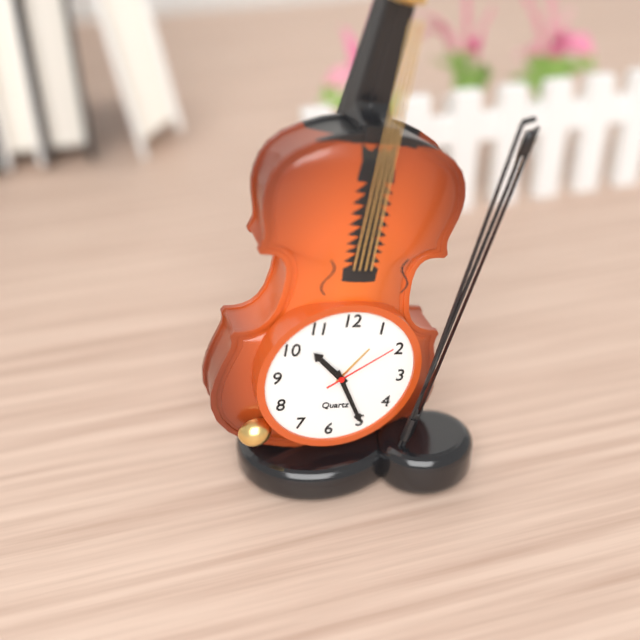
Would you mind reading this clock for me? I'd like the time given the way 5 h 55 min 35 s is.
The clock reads 10 h 25 min 09 s
